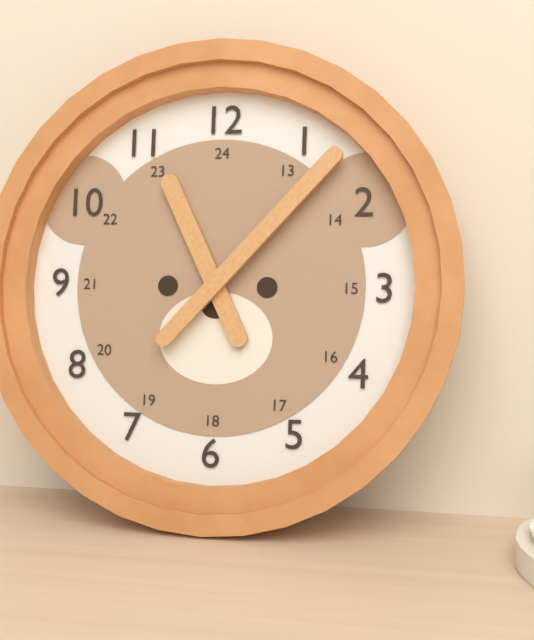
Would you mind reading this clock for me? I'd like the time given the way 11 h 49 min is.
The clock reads 11 h 07 min
